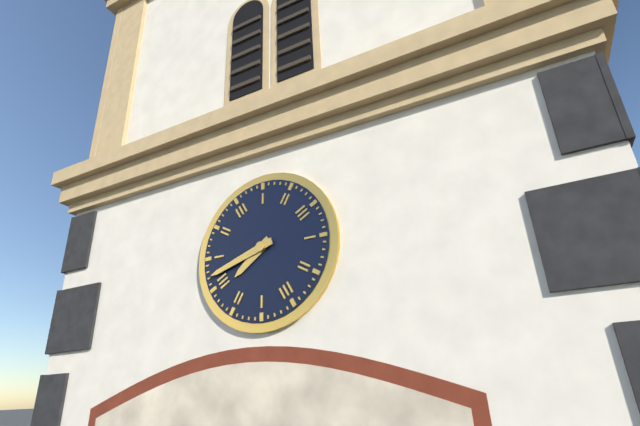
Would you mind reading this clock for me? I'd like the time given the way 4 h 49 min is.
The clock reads 7 h 42 min
